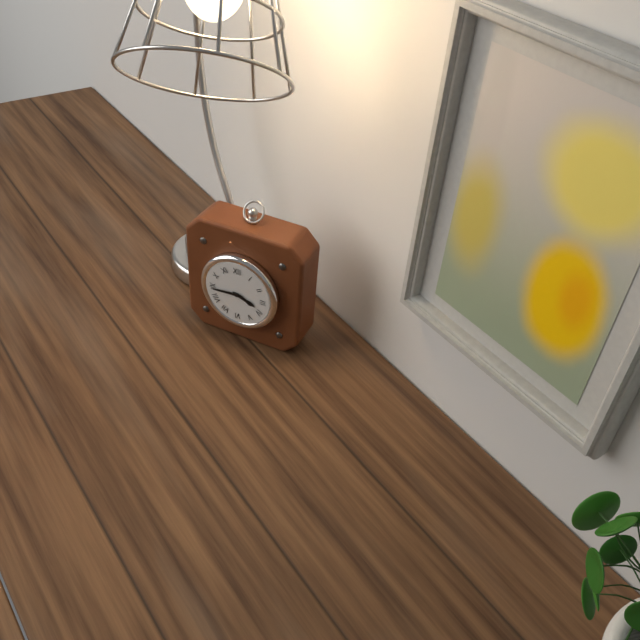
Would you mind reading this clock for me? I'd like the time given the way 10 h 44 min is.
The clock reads 3 h 44 min
